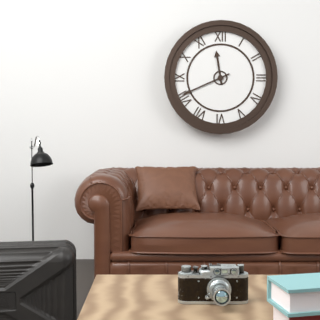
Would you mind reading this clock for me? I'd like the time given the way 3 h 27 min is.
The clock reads 11 h 41 min
